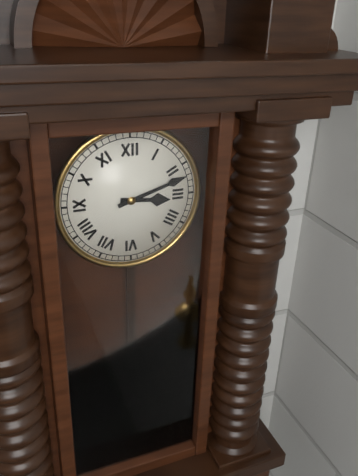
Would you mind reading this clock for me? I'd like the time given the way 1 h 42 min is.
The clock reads 3 h 12 min
